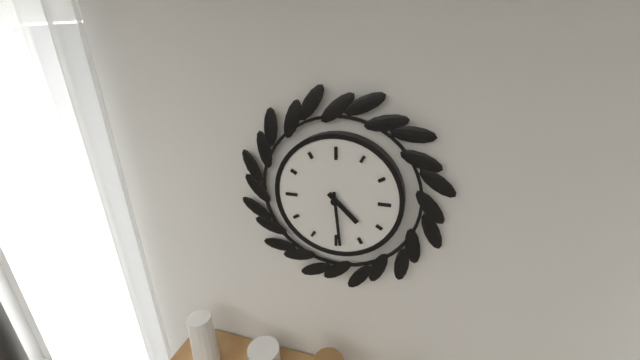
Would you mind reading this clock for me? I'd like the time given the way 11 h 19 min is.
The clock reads 4 h 29 min
